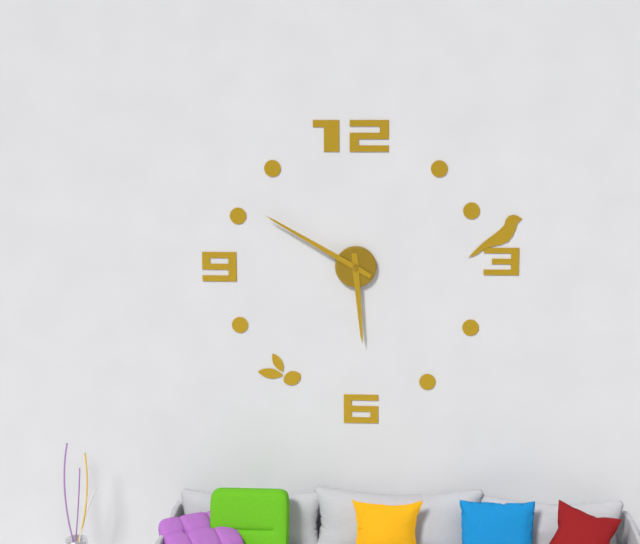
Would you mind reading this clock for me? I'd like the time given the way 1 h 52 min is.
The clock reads 5 h 50 min
